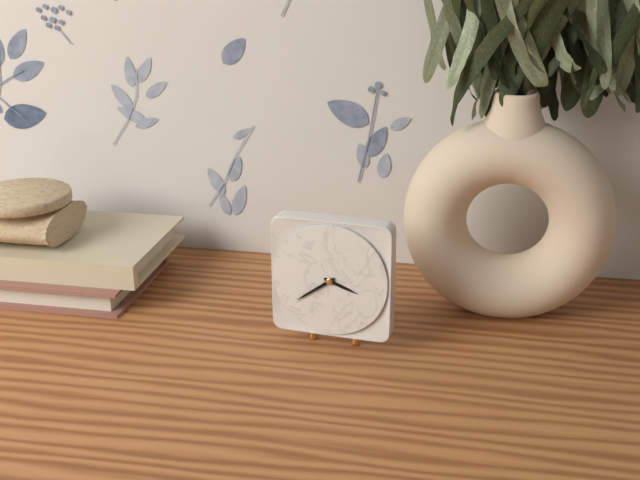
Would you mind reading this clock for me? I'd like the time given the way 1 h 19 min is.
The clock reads 3 h 39 min
